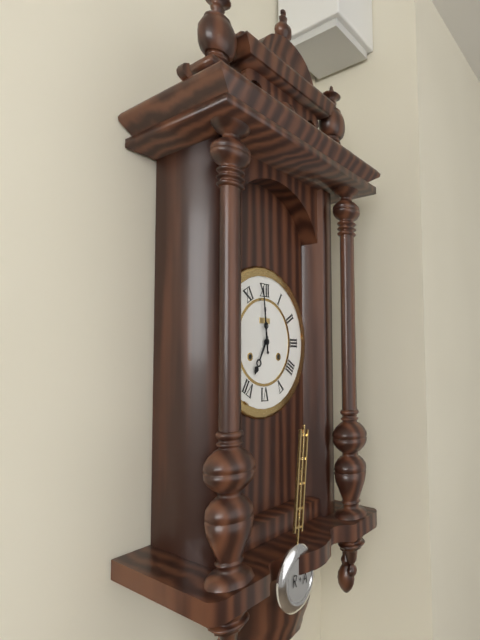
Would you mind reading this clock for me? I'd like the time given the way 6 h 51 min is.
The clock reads 6 h 59 min
